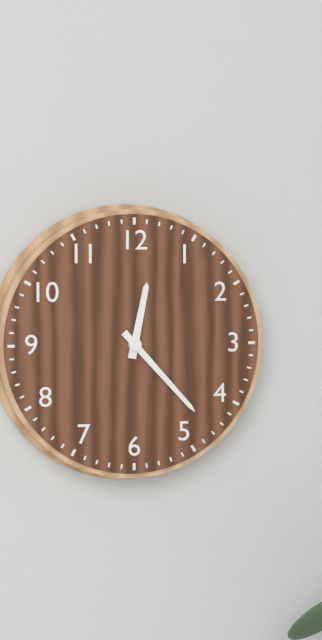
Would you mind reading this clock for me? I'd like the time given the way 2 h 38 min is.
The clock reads 12 h 23 min
